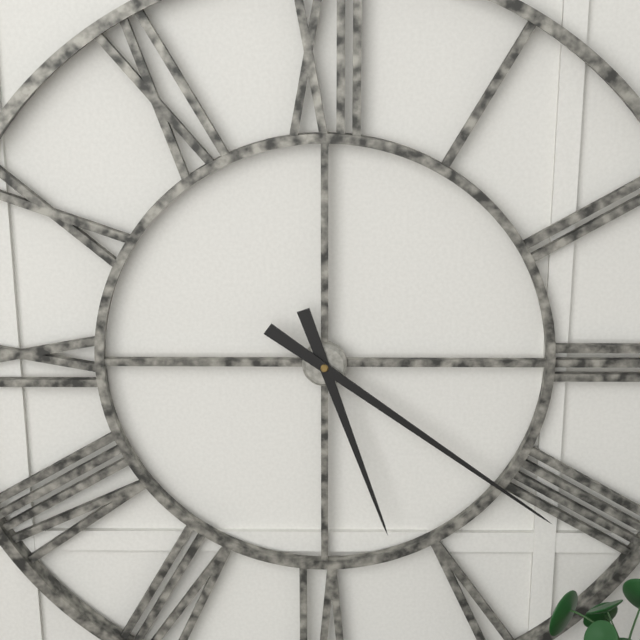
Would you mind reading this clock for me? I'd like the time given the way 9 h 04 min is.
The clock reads 5 h 21 min
